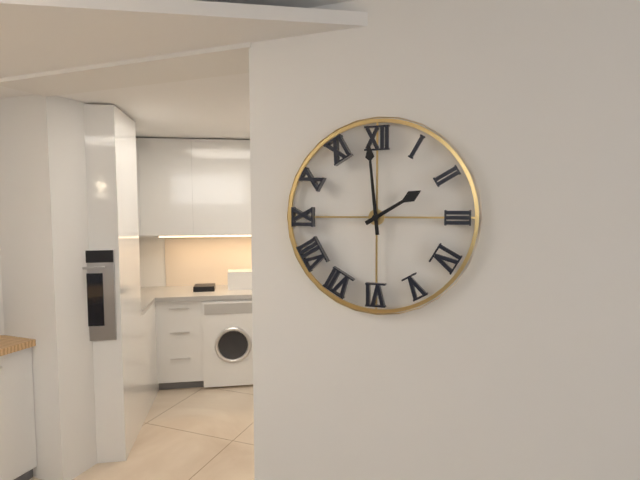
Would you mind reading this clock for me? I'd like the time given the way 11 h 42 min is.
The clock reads 1 h 59 min
